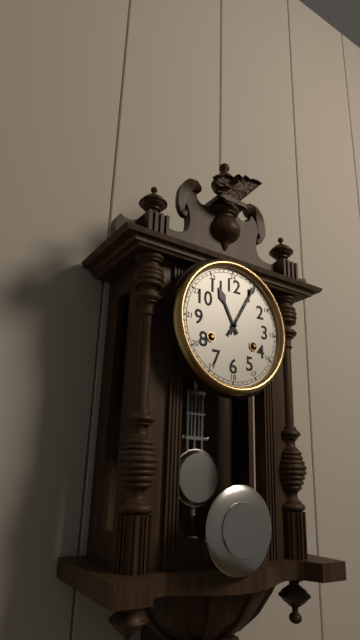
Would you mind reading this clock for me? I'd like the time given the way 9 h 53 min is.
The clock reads 11 h 05 min
